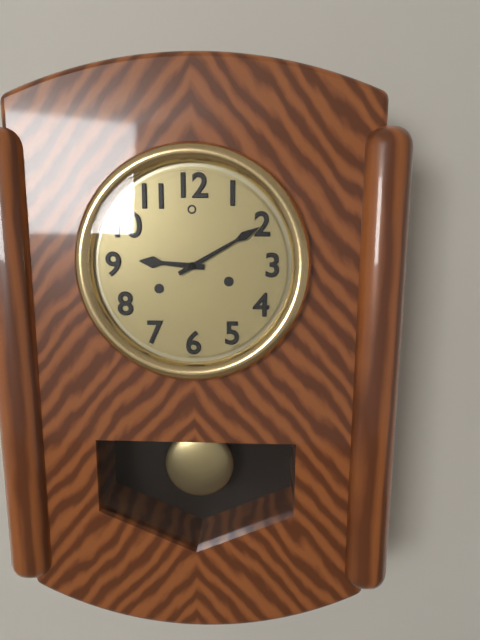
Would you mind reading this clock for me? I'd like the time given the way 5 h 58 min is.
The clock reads 9 h 10 min
